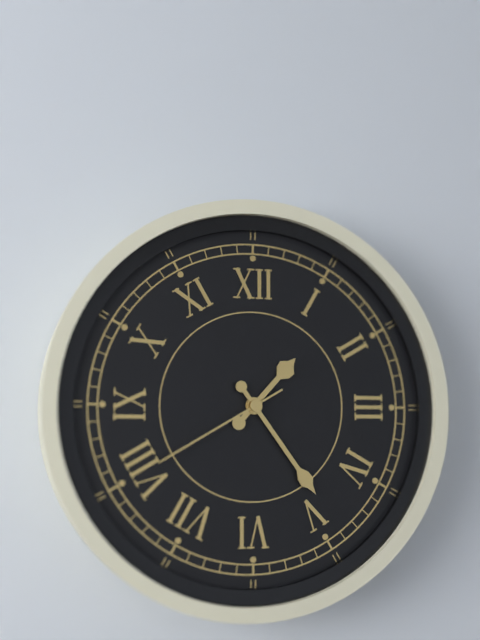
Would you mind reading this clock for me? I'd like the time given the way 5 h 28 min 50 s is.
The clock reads 1 h 24 min 40 s
